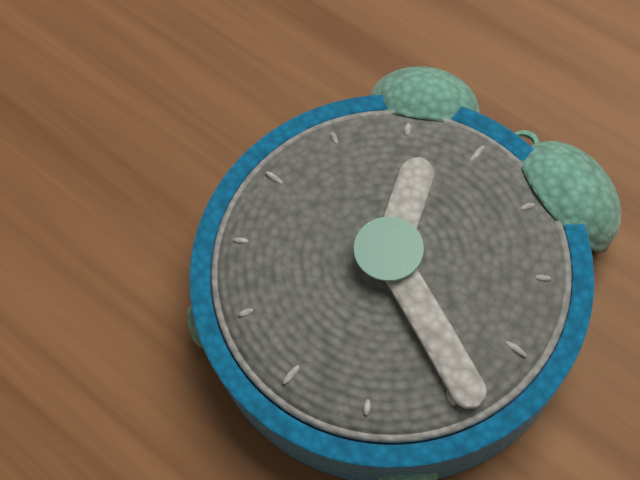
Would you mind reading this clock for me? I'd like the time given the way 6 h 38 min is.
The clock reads 11 h 19 min
